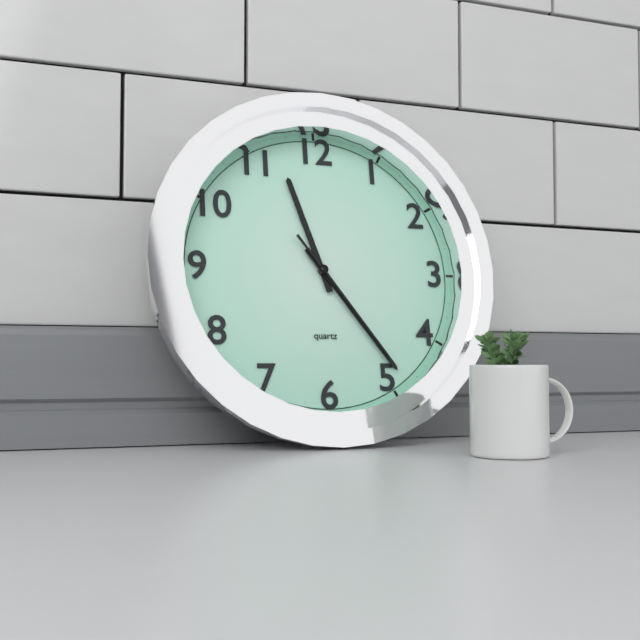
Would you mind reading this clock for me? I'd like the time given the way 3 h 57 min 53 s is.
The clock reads 11 h 24 min 24 s
